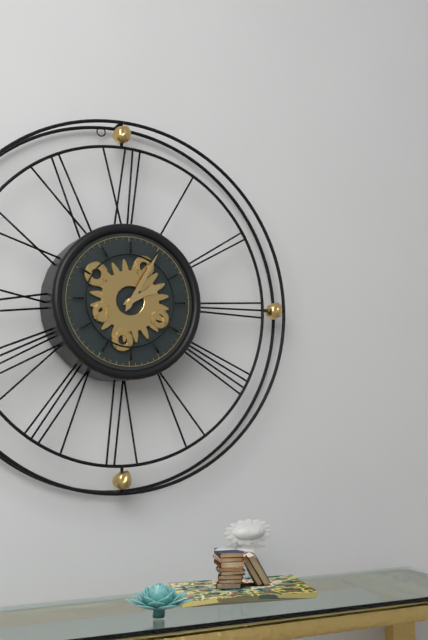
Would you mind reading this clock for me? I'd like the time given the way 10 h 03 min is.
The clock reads 2 h 05 min
